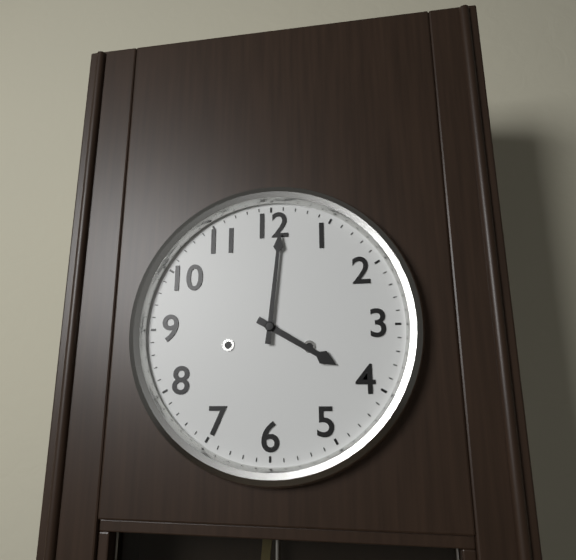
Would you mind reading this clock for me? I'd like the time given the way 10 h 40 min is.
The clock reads 4 h 01 min
